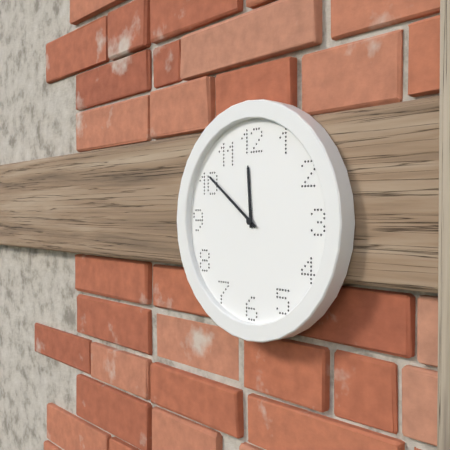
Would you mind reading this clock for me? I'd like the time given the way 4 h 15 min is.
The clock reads 11 h 51 min
